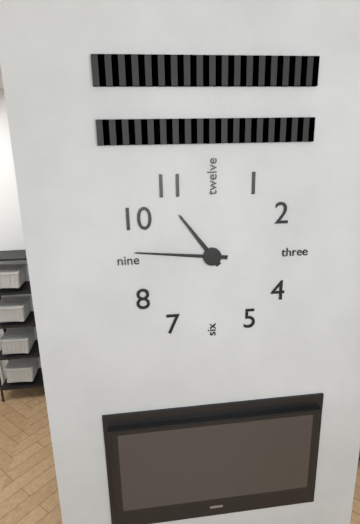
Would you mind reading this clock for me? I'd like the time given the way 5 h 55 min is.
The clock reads 10 h 46 min
